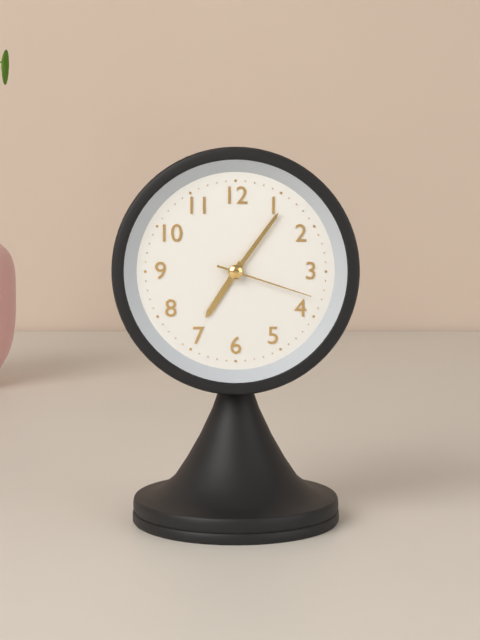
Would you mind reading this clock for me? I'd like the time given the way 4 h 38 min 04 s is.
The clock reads 7 h 06 min 18 s
